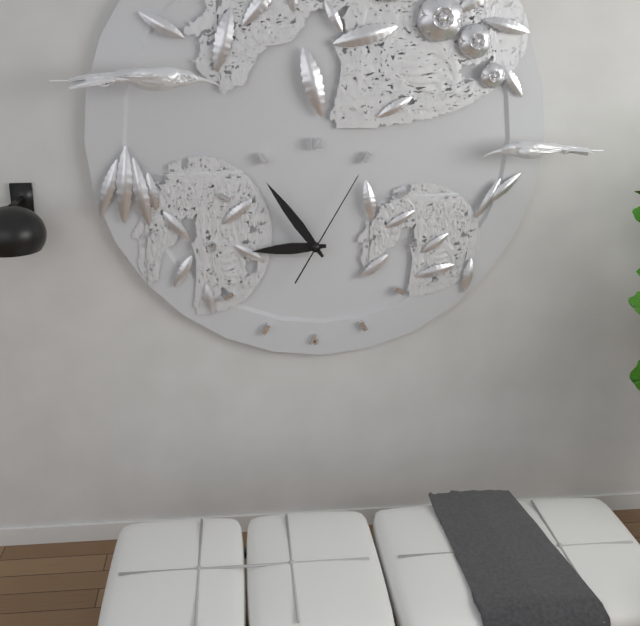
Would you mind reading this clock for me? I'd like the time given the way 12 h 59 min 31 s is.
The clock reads 8 h 54 min 05 s
